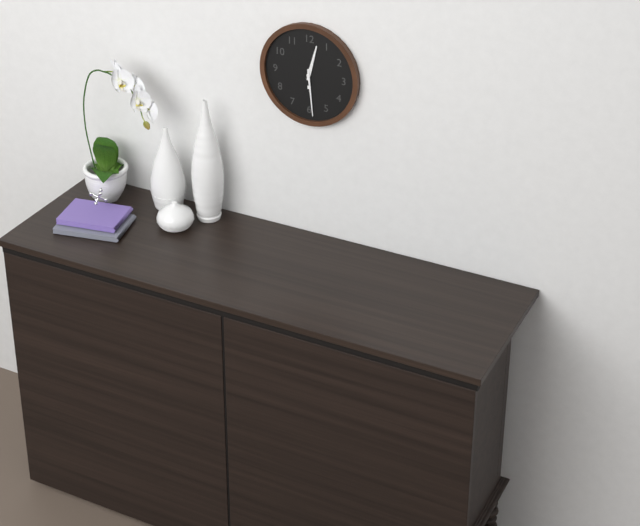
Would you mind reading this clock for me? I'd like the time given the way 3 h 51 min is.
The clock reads 12 h 29 min
